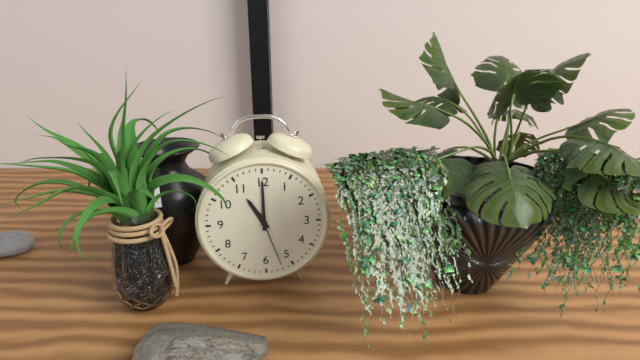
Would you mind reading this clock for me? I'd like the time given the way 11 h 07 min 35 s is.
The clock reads 11 h 00 min 27 s
